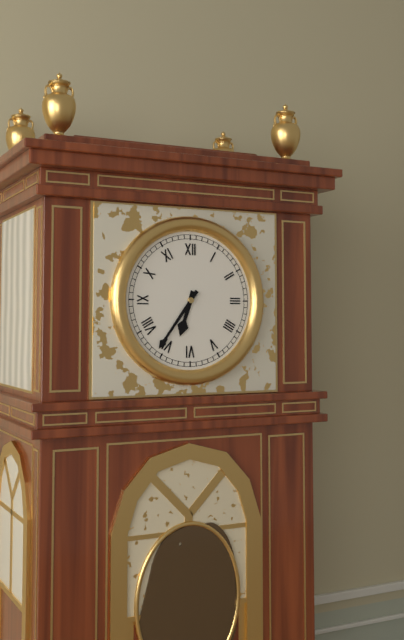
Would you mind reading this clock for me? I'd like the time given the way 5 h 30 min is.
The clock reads 6 h 36 min
